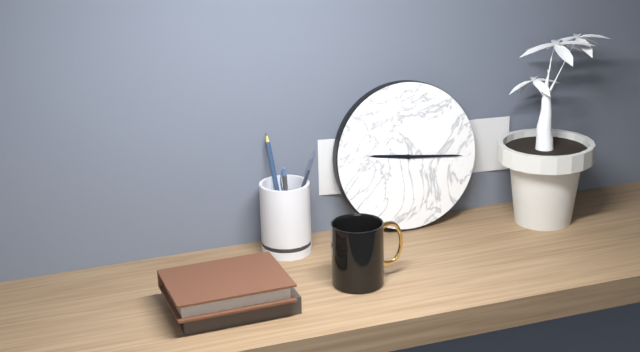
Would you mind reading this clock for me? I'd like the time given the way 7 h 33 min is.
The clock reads 9 h 16 min
